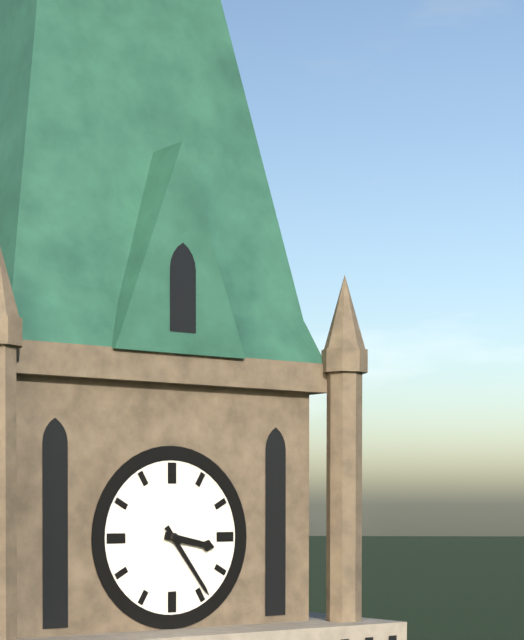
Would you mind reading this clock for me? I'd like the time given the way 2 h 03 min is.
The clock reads 3 h 24 min
